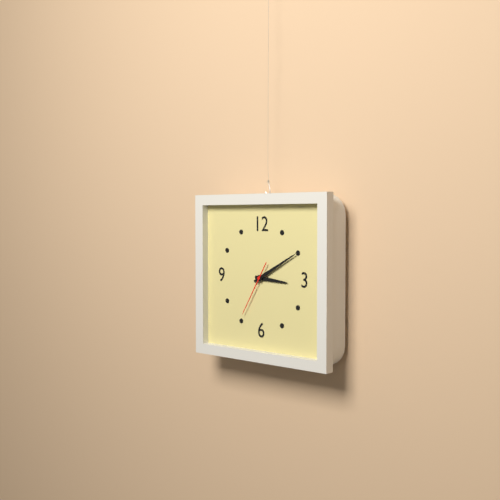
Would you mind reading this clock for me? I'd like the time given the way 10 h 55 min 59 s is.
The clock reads 3 h 10 min 35 s
